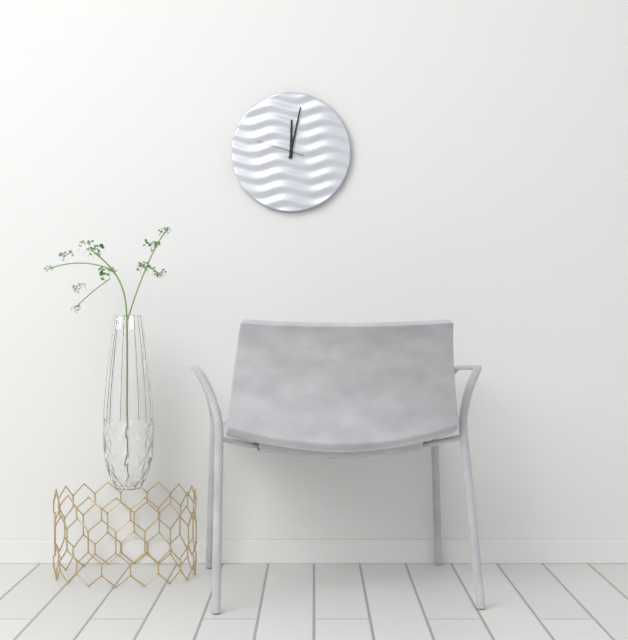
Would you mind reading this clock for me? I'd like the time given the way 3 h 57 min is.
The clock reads 12 h 02 min
